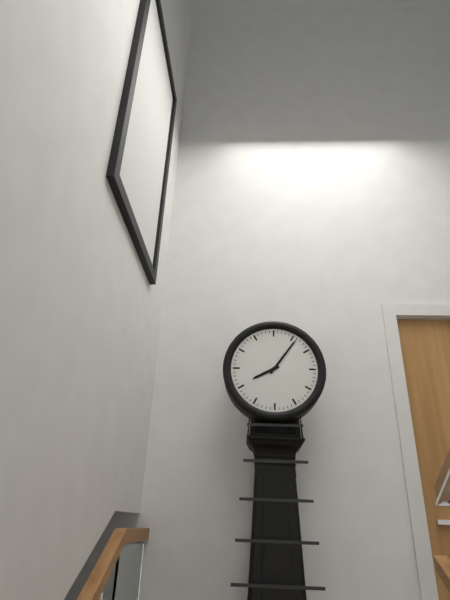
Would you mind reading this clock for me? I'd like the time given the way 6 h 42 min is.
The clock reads 8 h 06 min
